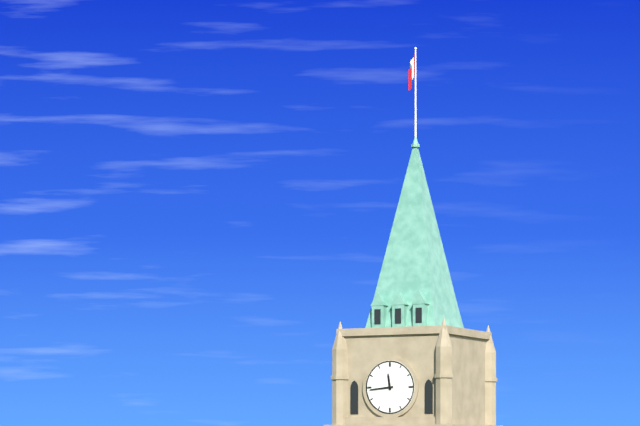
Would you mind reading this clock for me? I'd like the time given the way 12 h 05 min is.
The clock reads 11 h 44 min
